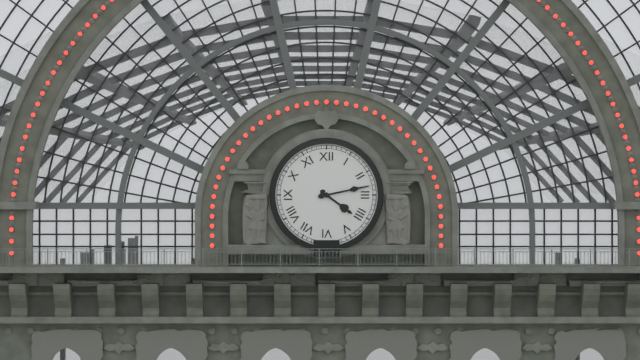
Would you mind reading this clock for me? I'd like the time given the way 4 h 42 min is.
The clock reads 4 h 13 min
